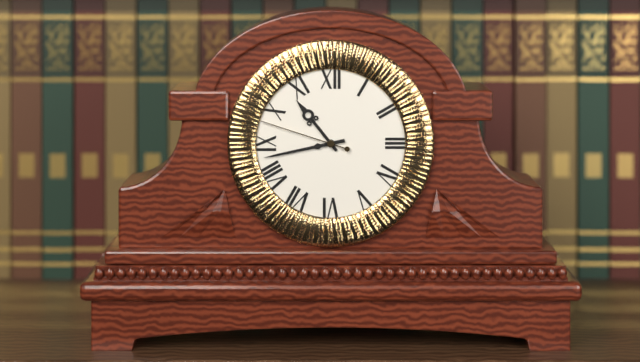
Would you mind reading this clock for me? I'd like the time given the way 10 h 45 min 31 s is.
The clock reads 10 h 43 min 48 s
